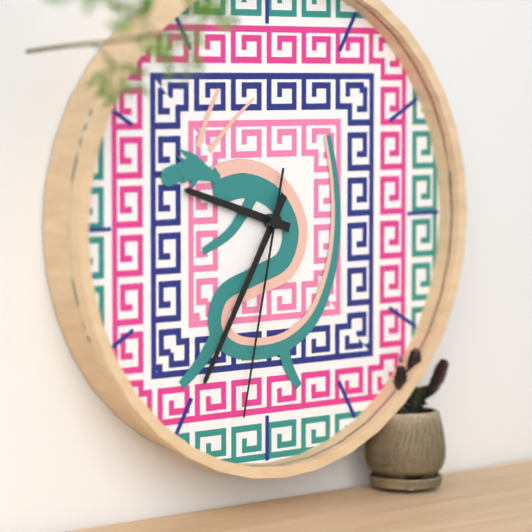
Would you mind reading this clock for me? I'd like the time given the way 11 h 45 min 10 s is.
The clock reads 9 h 35 min 32 s
